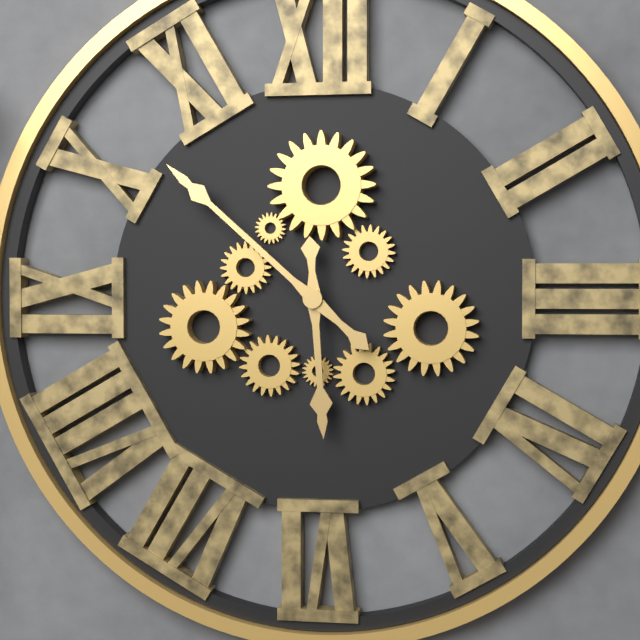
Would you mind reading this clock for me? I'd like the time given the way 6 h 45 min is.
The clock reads 5 h 52 min
